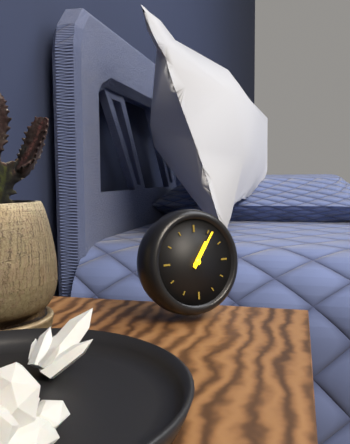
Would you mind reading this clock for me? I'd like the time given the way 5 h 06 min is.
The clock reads 1 h 06 min
